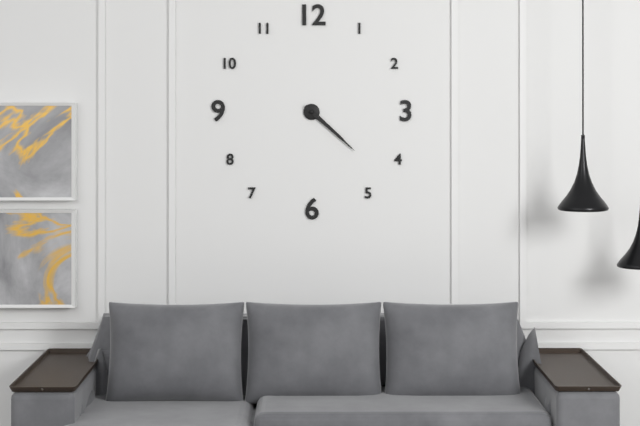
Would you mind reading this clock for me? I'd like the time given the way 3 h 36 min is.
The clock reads 4 h 22 min
